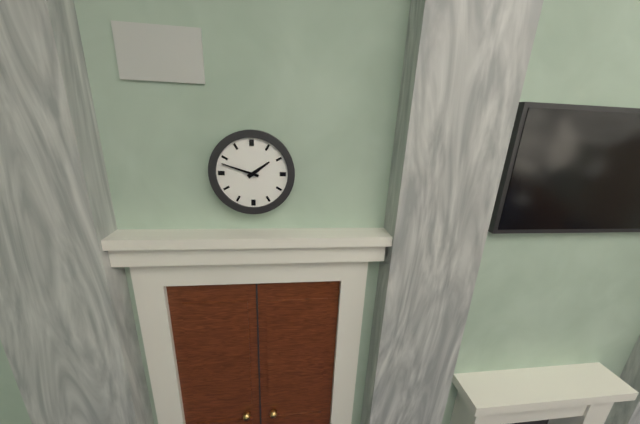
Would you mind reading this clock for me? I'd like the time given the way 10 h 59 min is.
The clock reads 1 h 48 min
